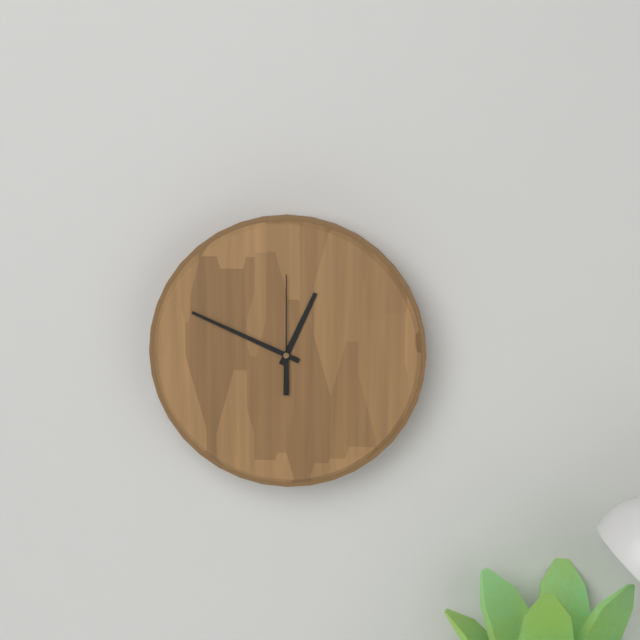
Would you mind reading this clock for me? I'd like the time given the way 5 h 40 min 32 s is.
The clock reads 12 h 49 min 00 s
